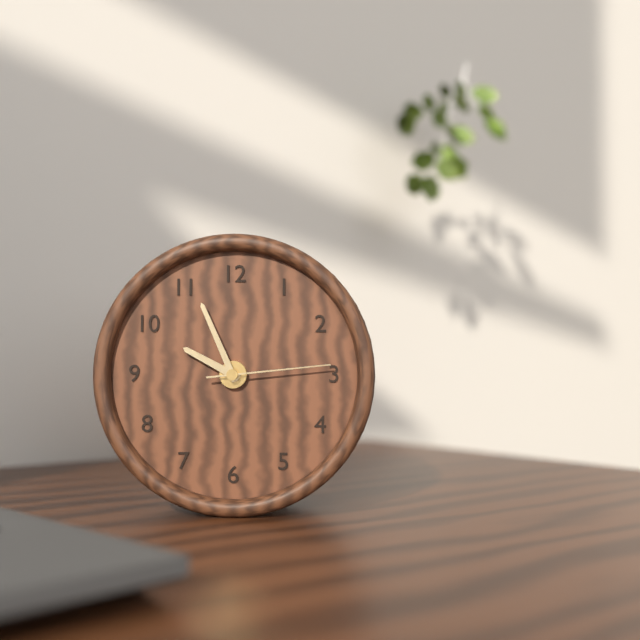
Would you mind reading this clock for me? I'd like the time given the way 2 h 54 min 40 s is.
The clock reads 9 h 56 min 14 s
